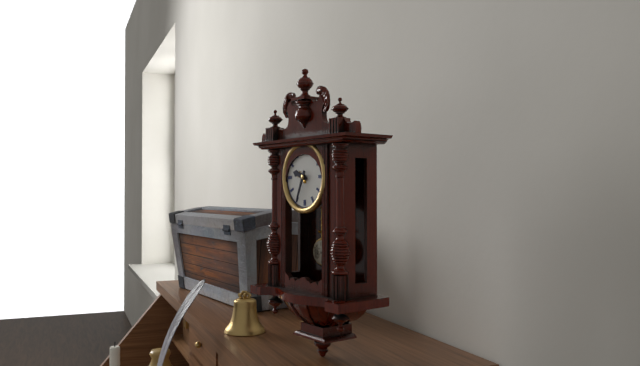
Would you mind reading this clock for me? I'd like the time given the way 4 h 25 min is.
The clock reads 9 h 34 min
